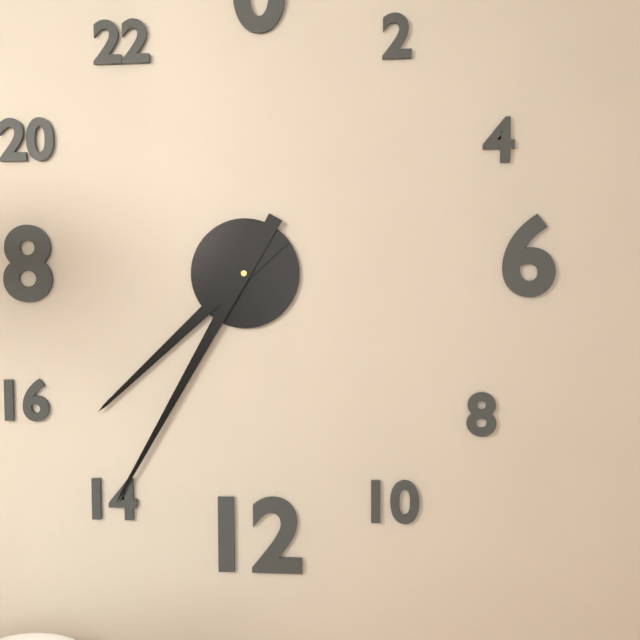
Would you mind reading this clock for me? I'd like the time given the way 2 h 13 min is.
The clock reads 7 h 35 min
